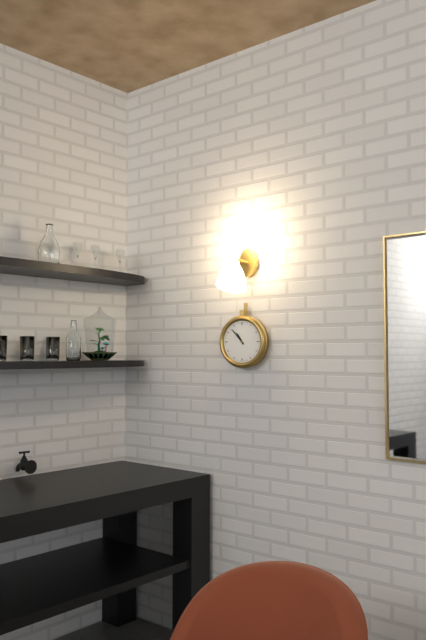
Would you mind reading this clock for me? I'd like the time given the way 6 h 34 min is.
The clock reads 10 h 53 min
